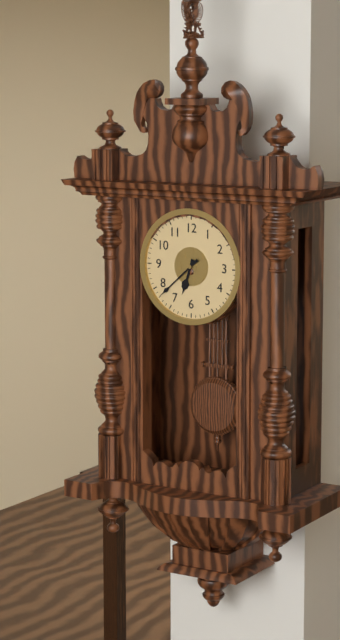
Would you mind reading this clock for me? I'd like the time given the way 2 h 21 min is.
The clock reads 6 h 38 min
